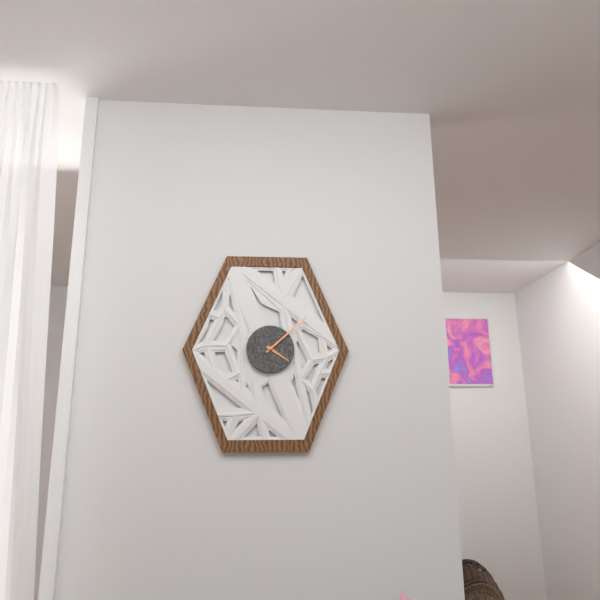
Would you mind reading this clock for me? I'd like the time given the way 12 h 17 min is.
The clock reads 4 h 08 min
